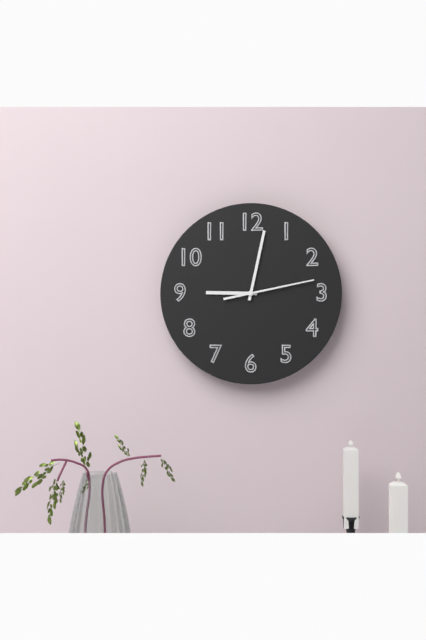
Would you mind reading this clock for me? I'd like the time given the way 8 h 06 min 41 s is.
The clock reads 9 h 02 min 13 s
